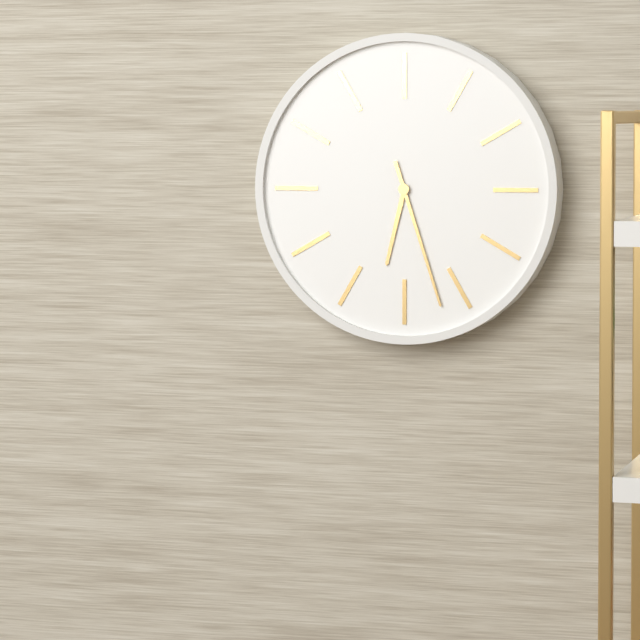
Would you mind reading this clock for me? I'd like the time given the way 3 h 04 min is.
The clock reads 6 h 27 min
